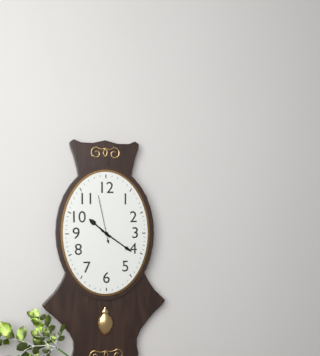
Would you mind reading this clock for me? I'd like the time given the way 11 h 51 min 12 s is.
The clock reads 10 h 21 min 58 s
